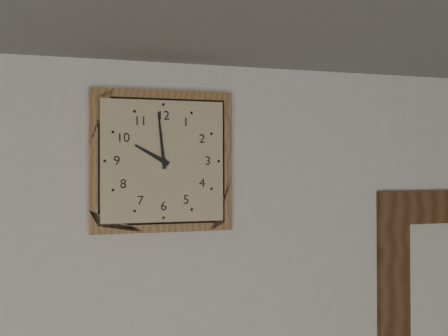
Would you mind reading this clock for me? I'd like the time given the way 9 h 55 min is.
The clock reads 9 h 59 min
